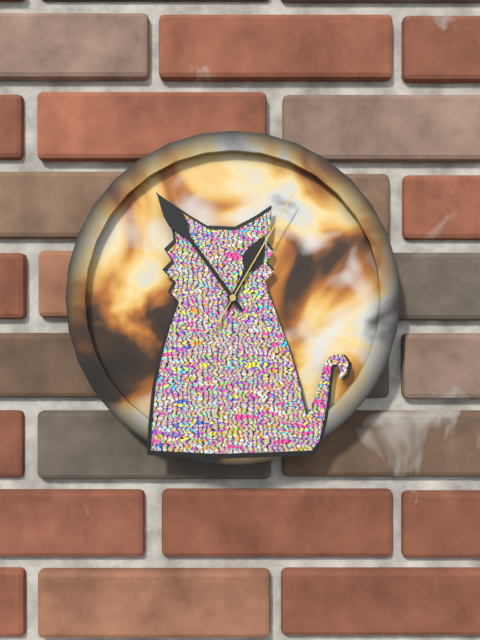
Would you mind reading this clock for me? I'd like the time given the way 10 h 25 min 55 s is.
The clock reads 12 h 54 min 05 s
